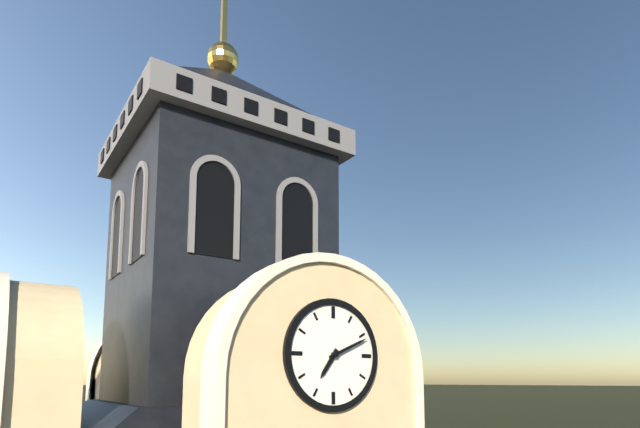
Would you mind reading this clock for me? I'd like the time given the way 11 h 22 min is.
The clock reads 7 h 11 min
